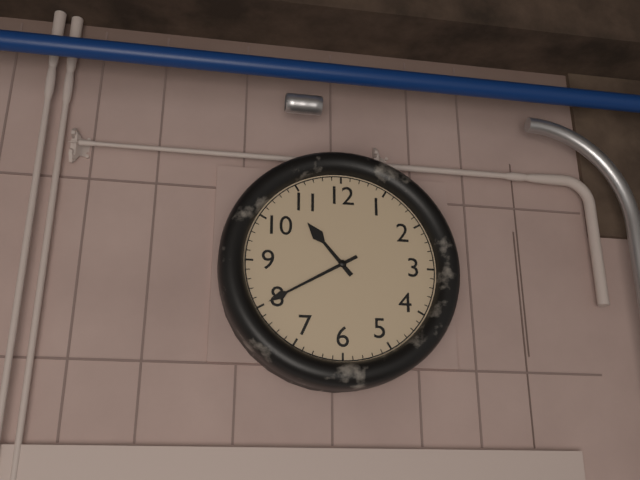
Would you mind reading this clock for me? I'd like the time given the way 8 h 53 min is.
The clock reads 10 h 40 min
